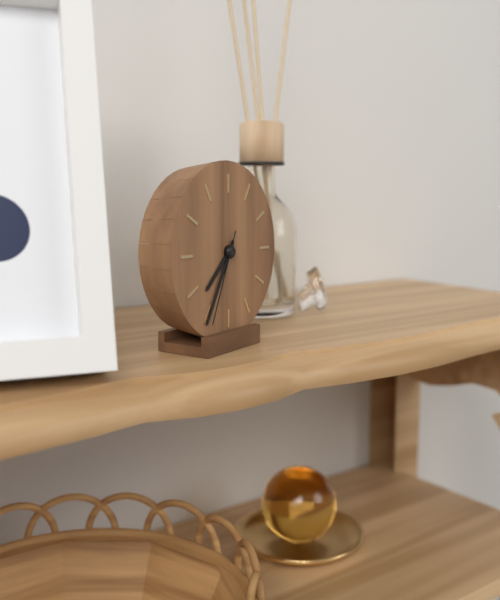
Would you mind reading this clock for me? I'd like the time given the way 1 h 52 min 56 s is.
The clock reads 7 h 35 min 34 s
